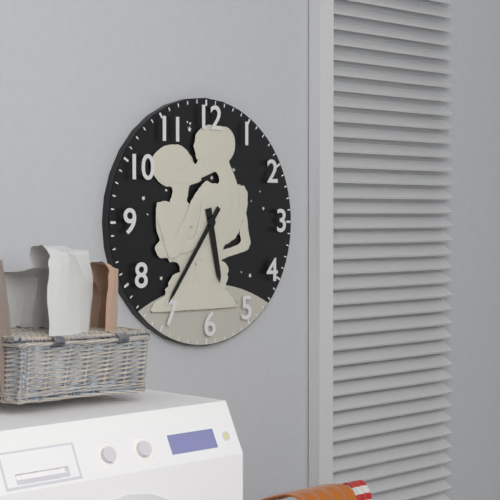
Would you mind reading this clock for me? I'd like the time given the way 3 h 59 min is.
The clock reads 5 h 36 min
